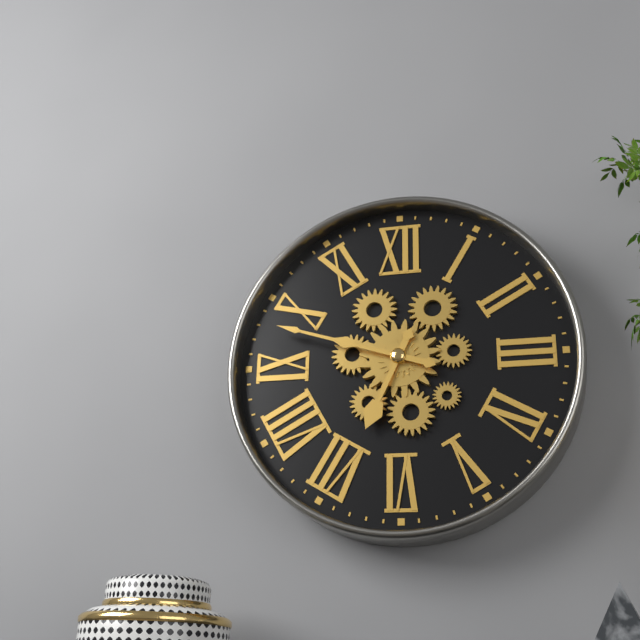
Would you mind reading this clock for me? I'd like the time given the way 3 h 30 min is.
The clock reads 6 h 48 min
